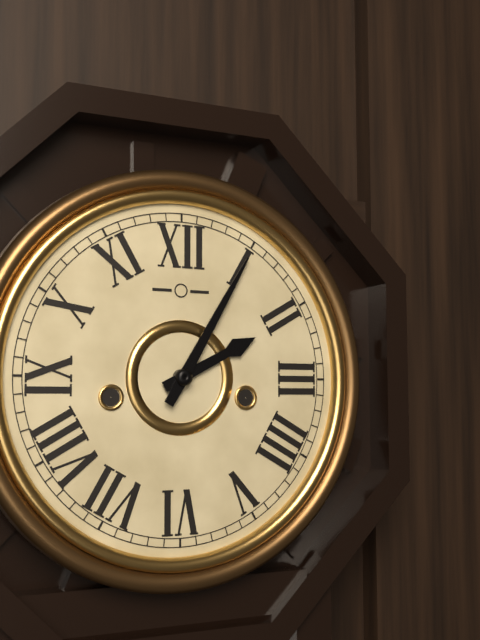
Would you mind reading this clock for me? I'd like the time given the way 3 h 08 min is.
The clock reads 2 h 05 min
